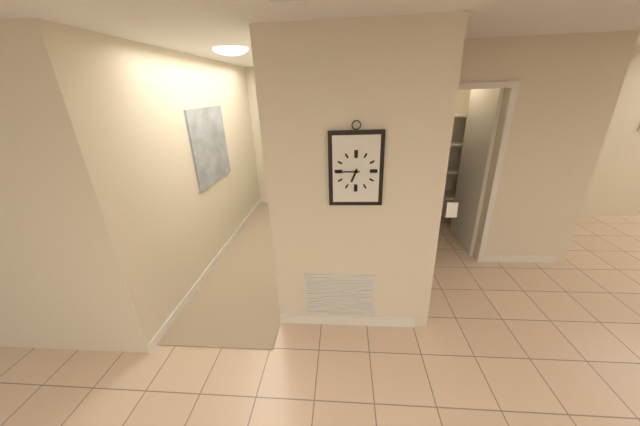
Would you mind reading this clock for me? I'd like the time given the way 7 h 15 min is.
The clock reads 6 h 45 min
